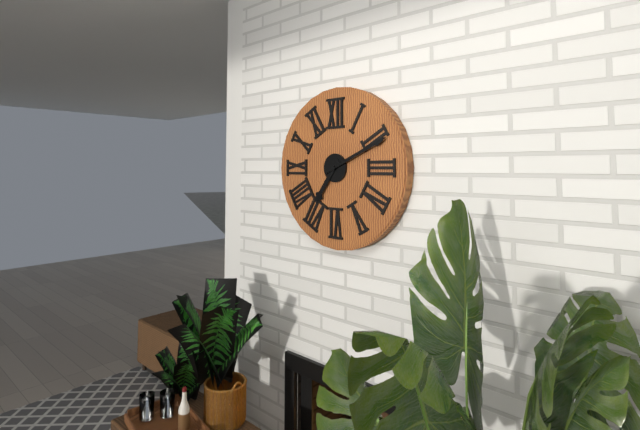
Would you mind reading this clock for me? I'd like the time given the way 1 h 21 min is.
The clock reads 7 h 11 min
